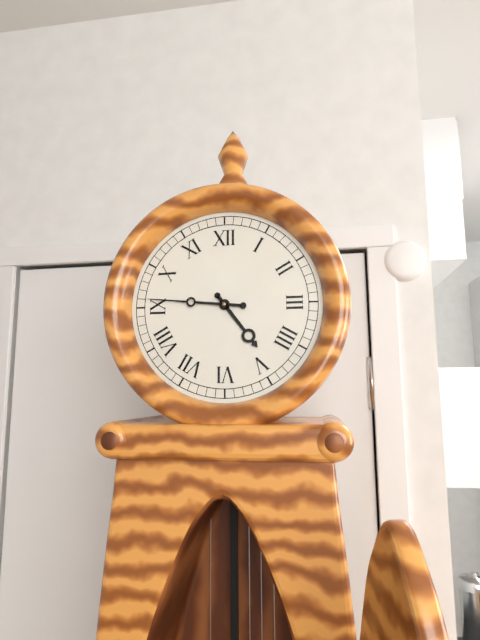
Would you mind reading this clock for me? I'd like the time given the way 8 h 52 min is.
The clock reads 4 h 46 min
